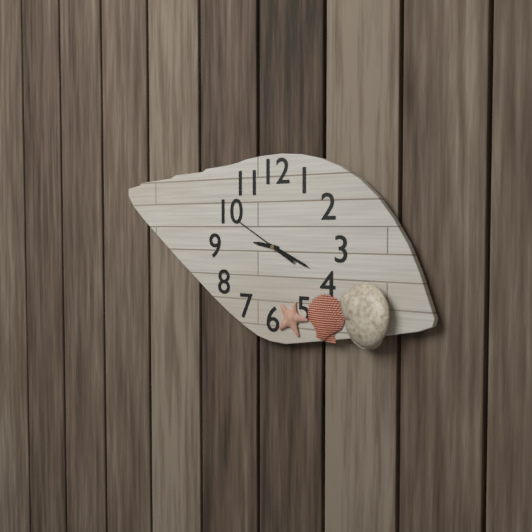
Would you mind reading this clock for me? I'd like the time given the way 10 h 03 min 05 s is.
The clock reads 9 h 19 min 50 s
